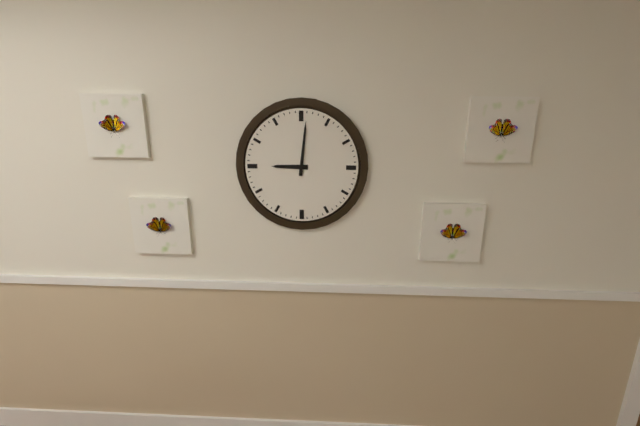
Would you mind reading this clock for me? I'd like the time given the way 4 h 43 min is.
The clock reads 9 h 01 min
